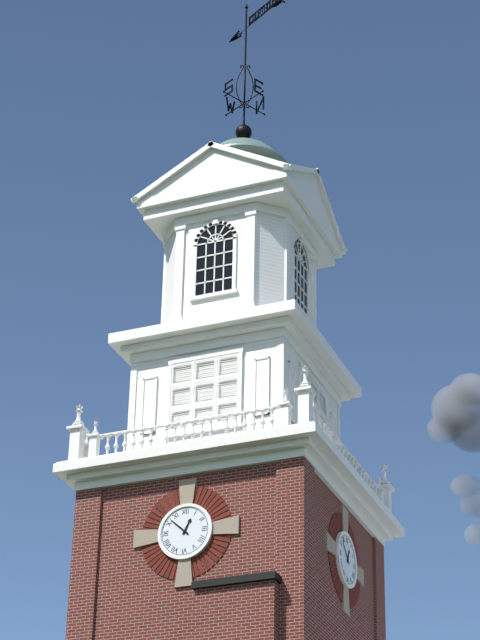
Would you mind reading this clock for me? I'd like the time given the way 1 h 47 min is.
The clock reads 12 h 52 min
